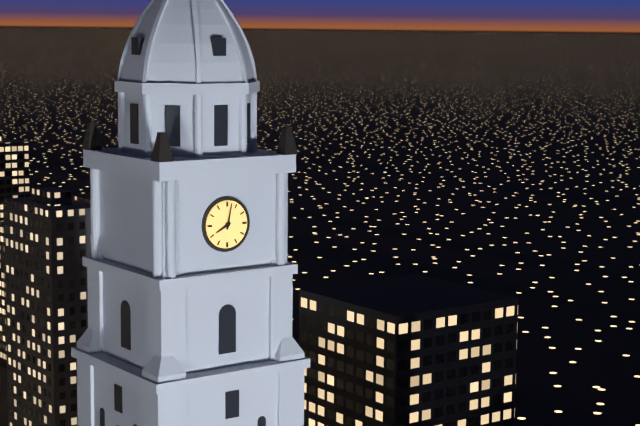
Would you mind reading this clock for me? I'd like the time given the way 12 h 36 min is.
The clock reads 8 h 02 min
